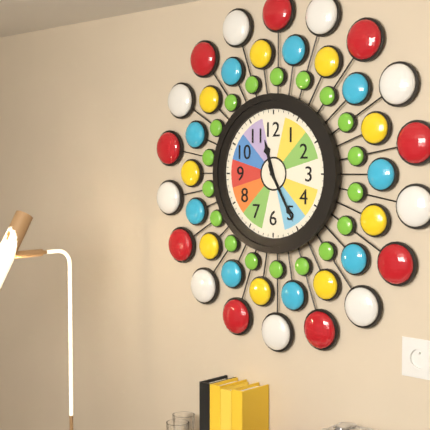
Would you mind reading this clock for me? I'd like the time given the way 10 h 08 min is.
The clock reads 11 h 25 min
